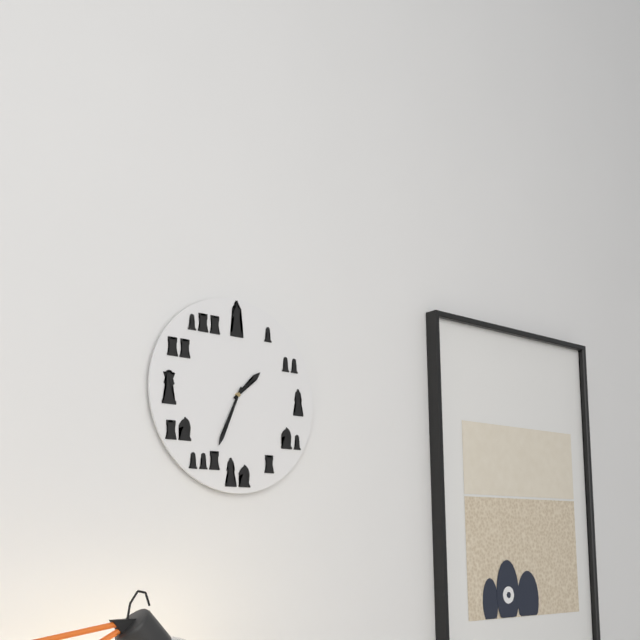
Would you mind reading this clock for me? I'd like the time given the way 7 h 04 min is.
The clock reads 1 h 34 min
